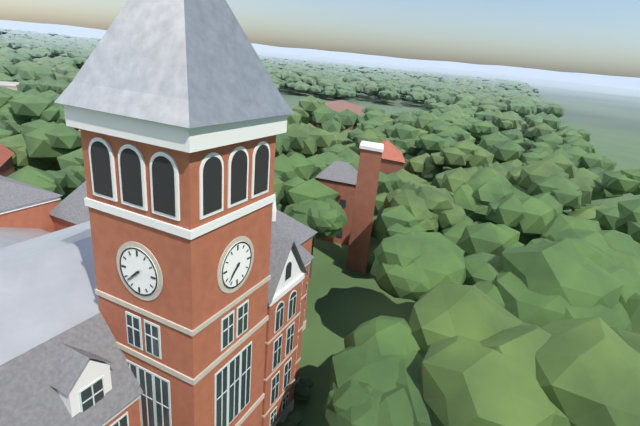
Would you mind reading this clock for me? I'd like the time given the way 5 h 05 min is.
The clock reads 7 h 38 min
